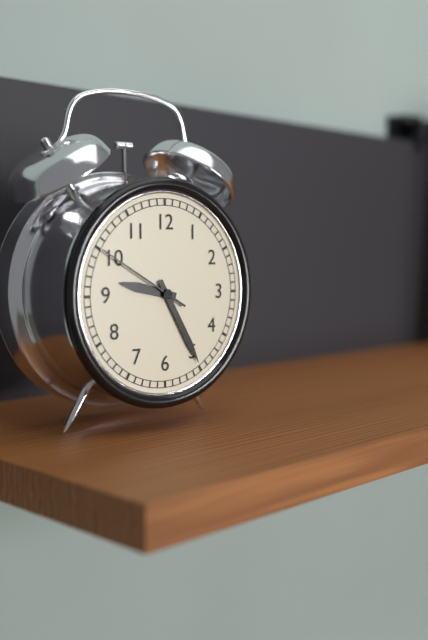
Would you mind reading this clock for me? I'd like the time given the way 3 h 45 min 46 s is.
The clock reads 9 h 25 min 50 s
